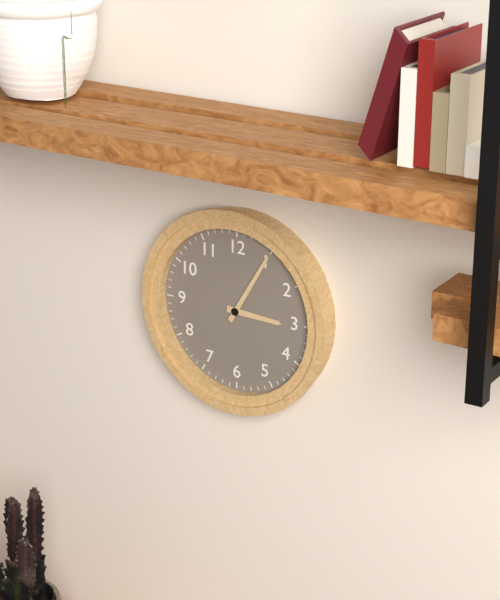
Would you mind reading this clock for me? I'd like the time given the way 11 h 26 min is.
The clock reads 3 h 05 min
